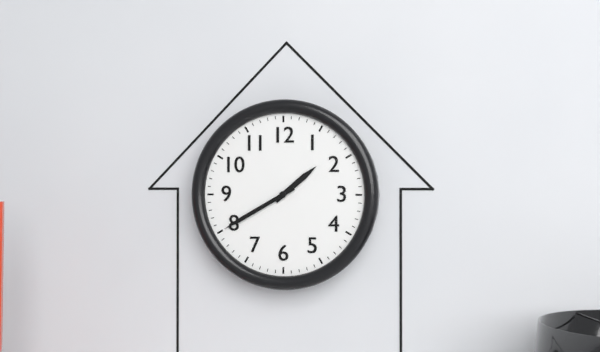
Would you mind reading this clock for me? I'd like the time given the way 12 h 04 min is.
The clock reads 1 h 40 min
